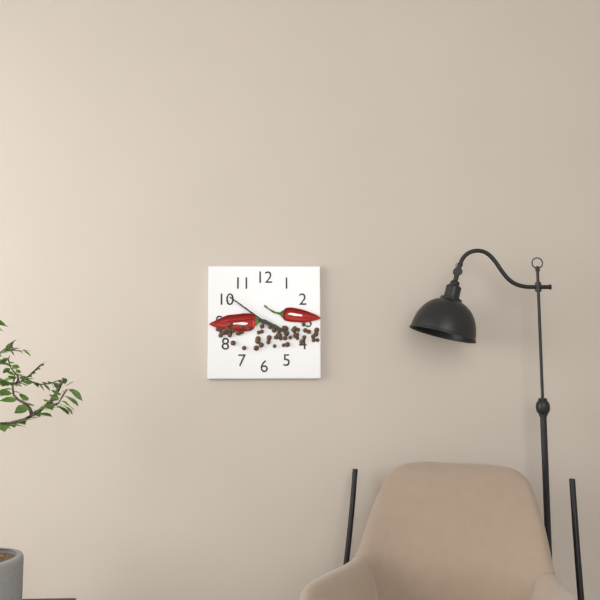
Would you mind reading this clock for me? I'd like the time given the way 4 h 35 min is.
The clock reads 3 h 51 min
